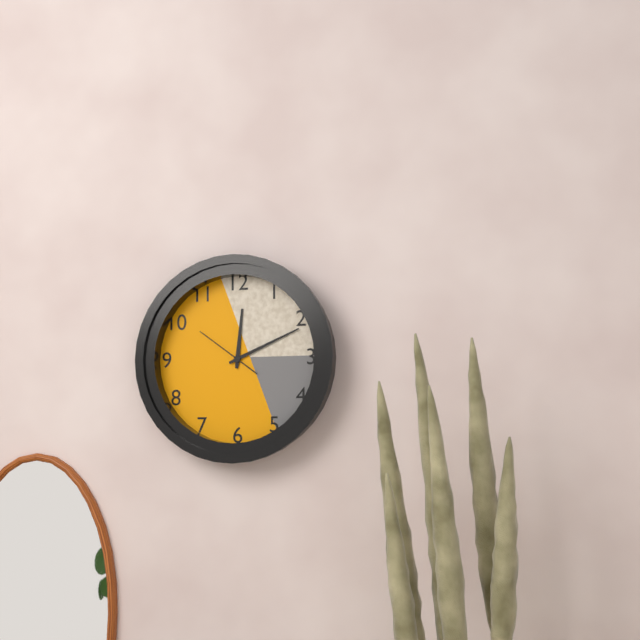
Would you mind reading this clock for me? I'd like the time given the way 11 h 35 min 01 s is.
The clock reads 12 h 11 min 51 s
